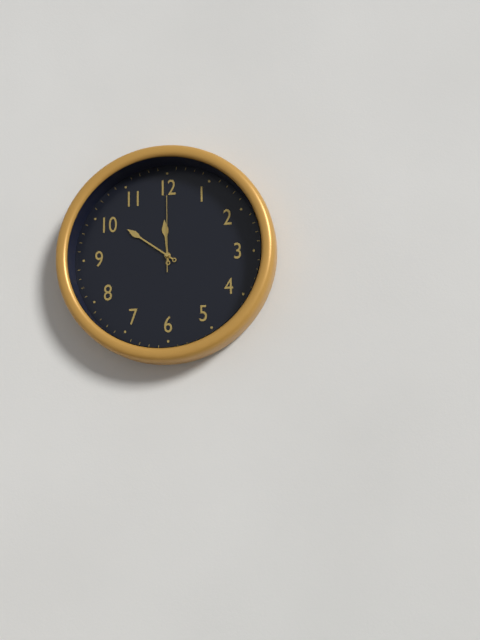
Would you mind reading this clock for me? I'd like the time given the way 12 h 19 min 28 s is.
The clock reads 11 h 51 min 00 s
